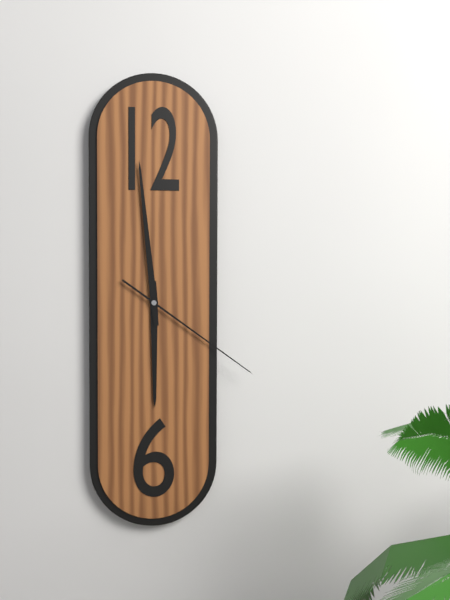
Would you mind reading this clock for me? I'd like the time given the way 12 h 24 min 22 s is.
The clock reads 5 h 59 min 21 s
